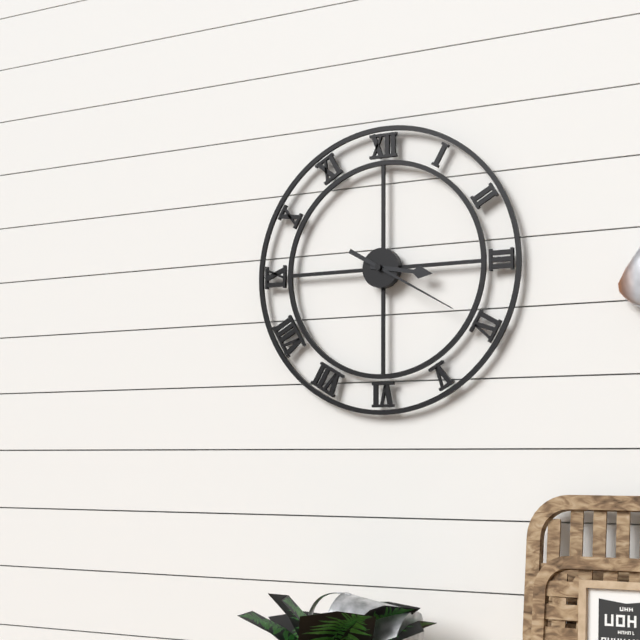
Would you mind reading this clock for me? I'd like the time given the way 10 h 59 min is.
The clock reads 3 h 20 min
